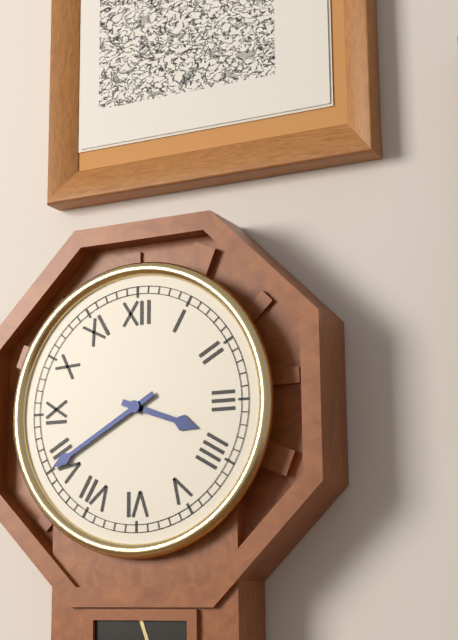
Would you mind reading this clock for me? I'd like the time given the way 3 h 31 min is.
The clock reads 3 h 40 min
